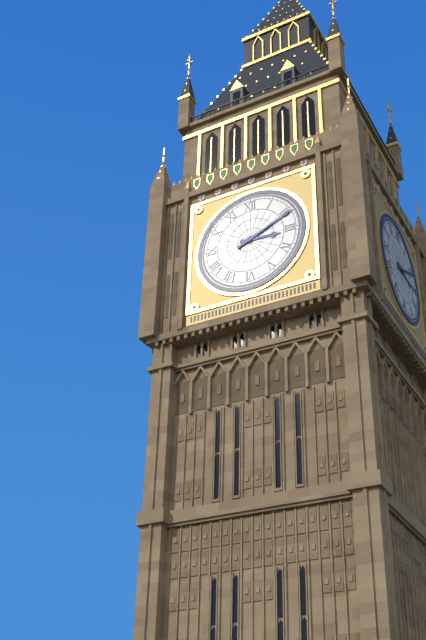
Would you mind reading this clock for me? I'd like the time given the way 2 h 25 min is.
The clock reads 3 h 11 min
